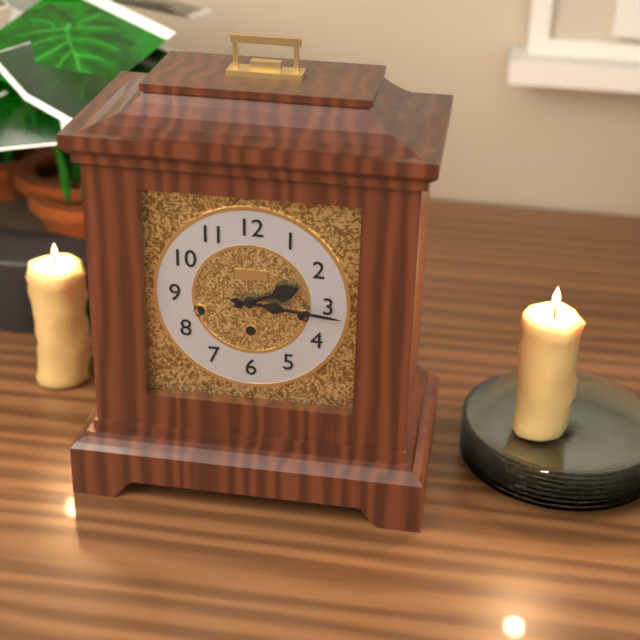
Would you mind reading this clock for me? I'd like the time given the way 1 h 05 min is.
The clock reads 2 h 16 min
